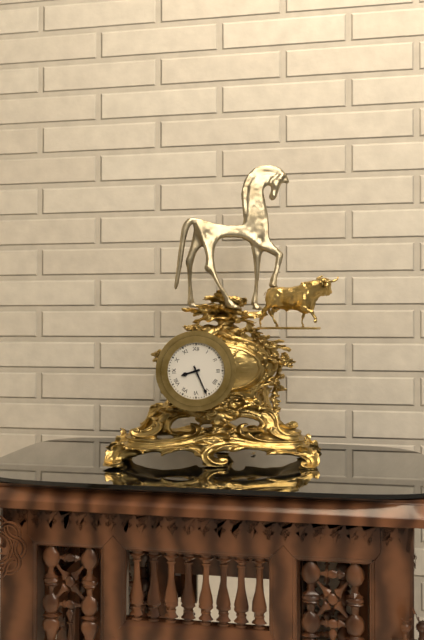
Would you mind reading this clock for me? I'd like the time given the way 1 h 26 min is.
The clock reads 8 h 26 min
